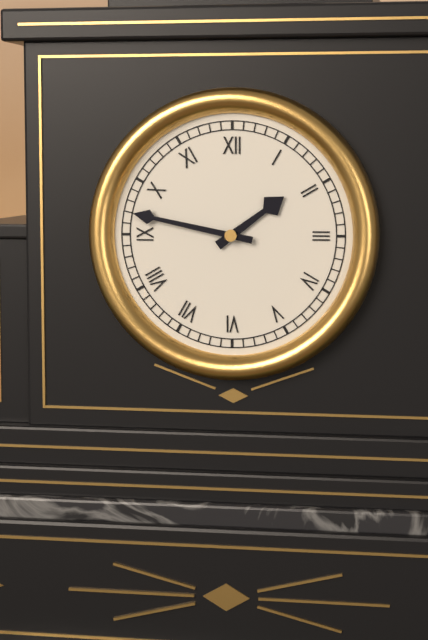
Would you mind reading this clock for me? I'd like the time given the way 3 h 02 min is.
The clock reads 1 h 47 min
